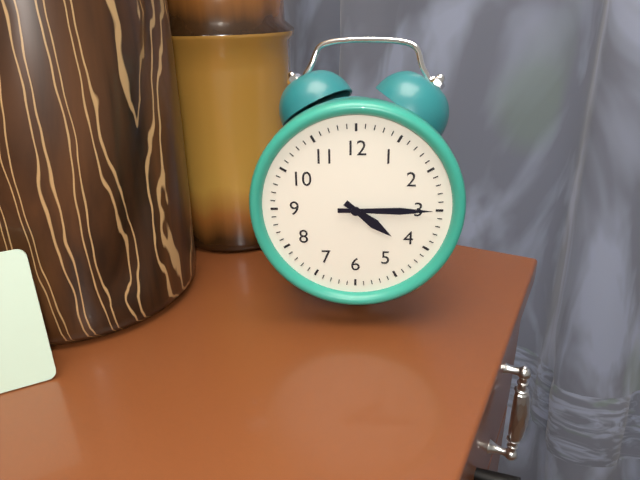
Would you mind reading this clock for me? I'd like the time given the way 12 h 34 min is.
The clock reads 4 h 15 min
